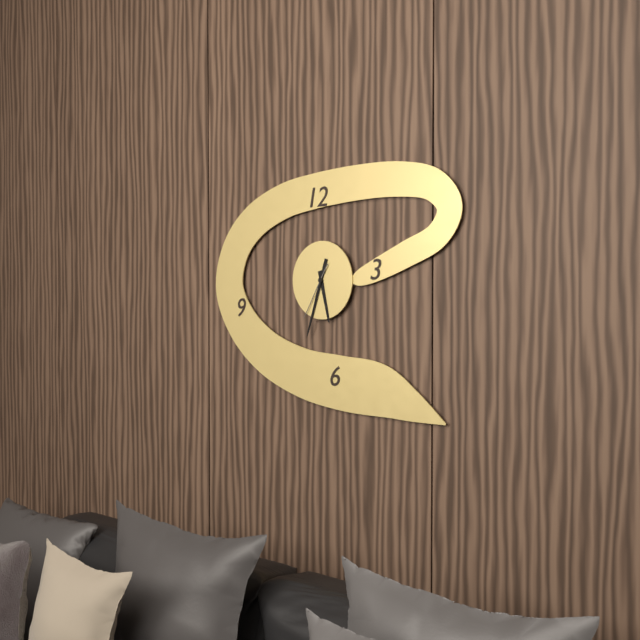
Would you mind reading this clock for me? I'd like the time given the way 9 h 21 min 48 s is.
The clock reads 5 h 33 min 35 s
